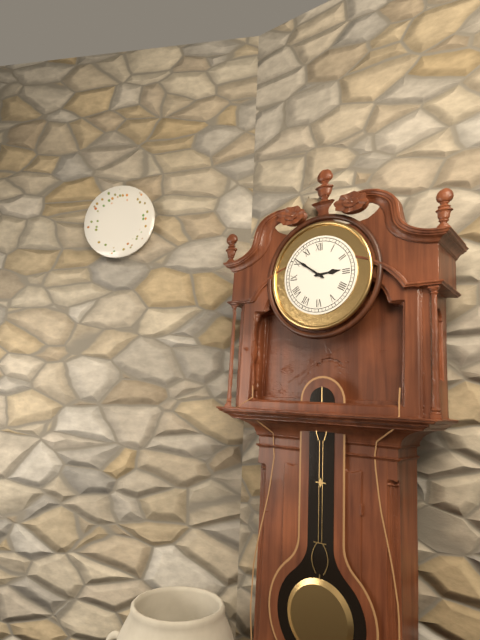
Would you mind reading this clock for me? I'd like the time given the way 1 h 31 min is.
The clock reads 2 h 51 min
